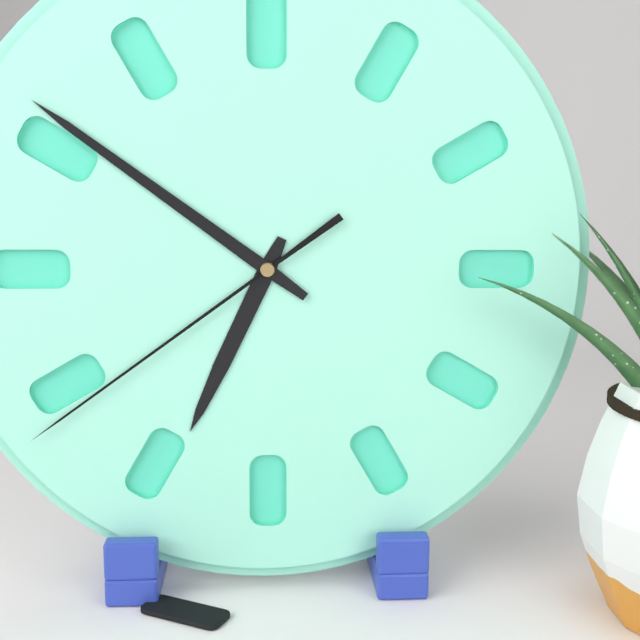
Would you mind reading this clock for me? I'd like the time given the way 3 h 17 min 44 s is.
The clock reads 6 h 51 min 39 s
